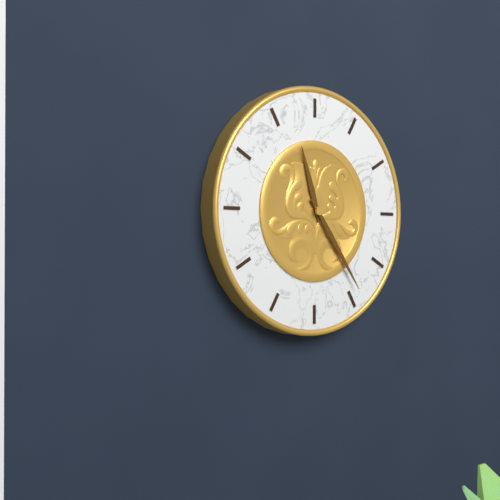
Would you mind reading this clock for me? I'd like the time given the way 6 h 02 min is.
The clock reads 11 h 24 min
